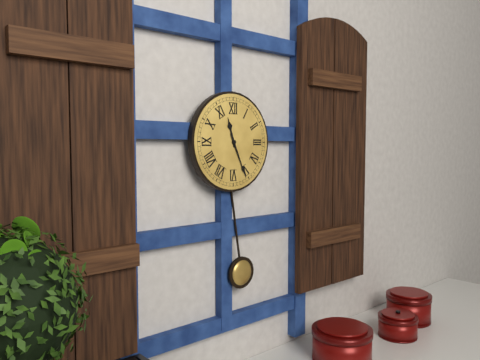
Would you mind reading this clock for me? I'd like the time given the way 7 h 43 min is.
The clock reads 11 h 26 min
